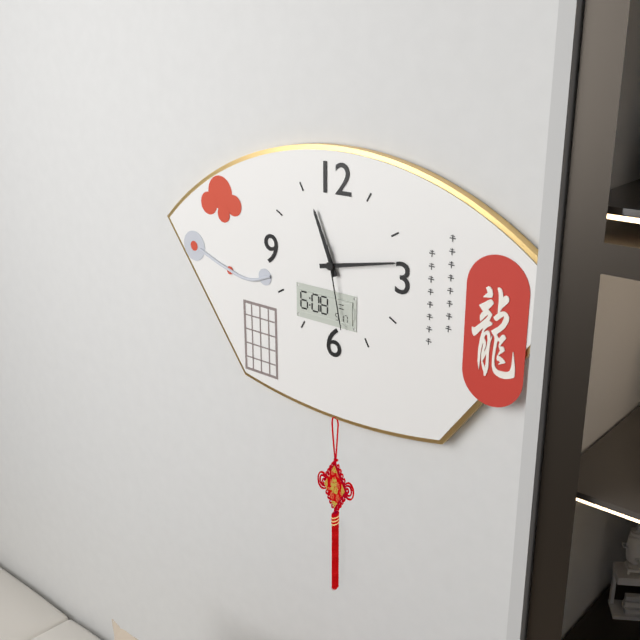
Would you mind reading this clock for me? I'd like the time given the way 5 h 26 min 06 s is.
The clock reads 11 h 13 min 28 s
